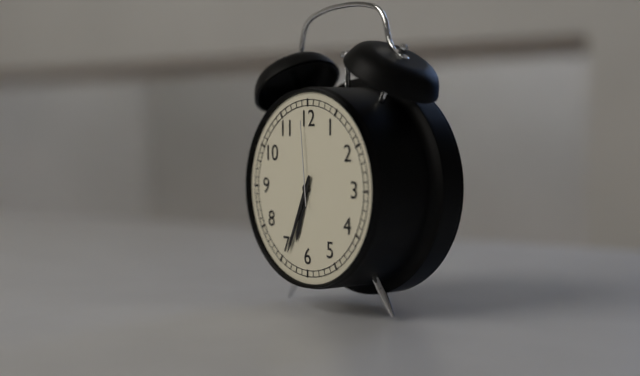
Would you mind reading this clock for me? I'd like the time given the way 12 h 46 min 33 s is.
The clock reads 6 h 34 min 59 s
